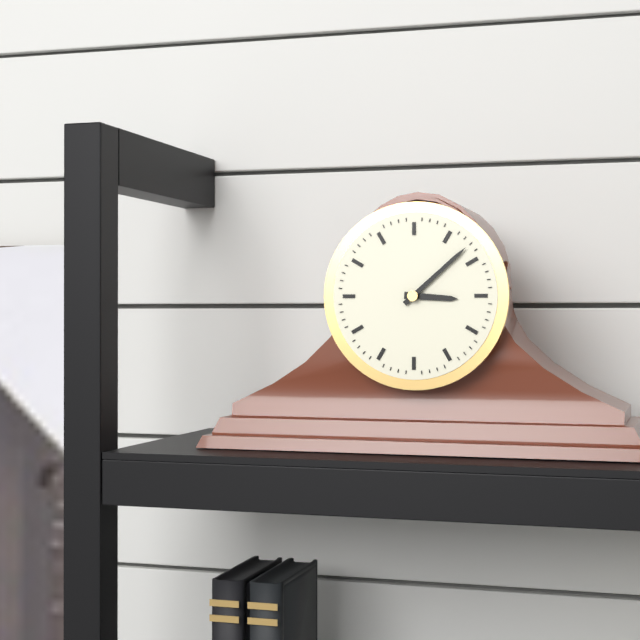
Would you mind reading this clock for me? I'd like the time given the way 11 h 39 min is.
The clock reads 3 h 08 min
